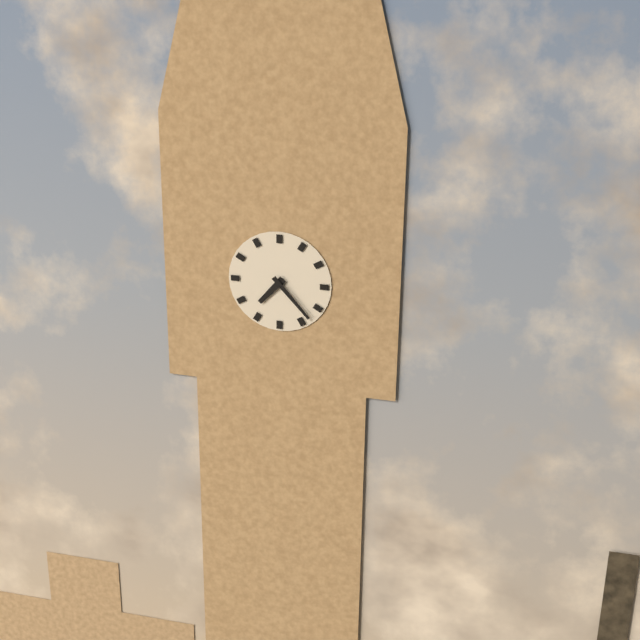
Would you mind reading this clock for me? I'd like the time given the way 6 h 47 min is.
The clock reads 7 h 23 min
